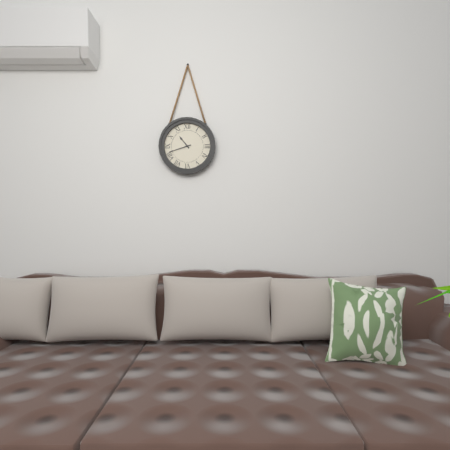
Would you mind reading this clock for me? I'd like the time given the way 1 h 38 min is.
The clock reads 10 h 42 min
